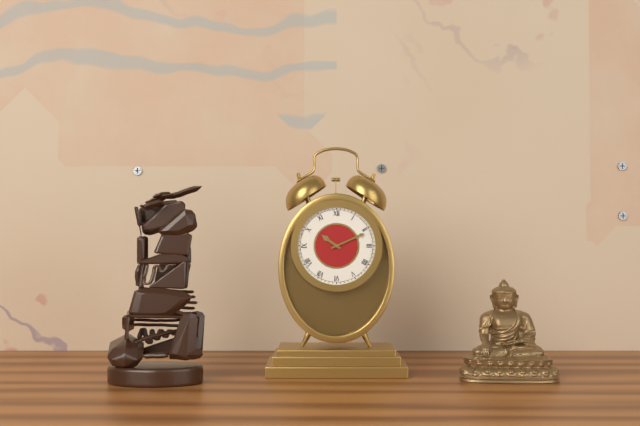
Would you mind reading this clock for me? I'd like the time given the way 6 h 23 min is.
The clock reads 10 h 11 min
